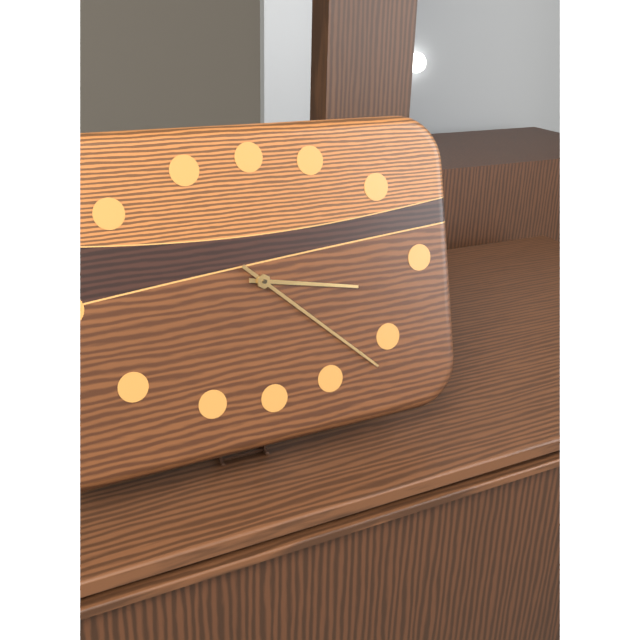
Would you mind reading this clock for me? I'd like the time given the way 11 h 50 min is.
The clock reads 3 h 22 min
